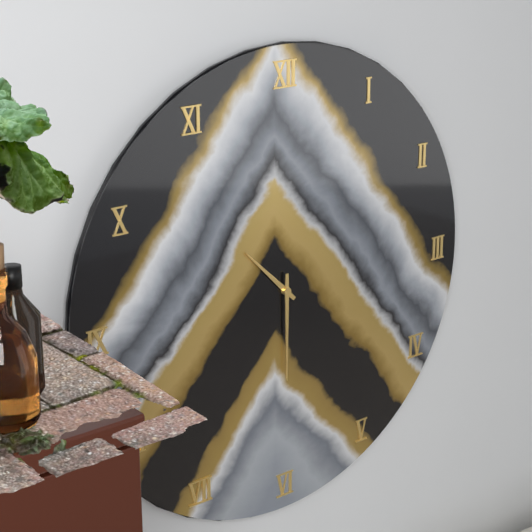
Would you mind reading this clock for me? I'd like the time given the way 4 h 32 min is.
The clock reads 10 h 30 min
